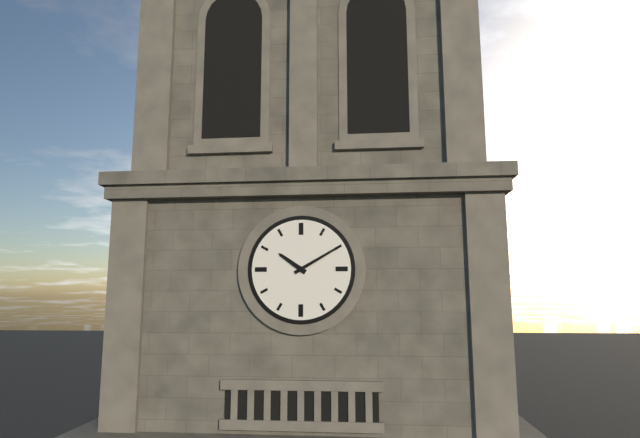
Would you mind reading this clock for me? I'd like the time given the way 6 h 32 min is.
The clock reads 10 h 10 min
